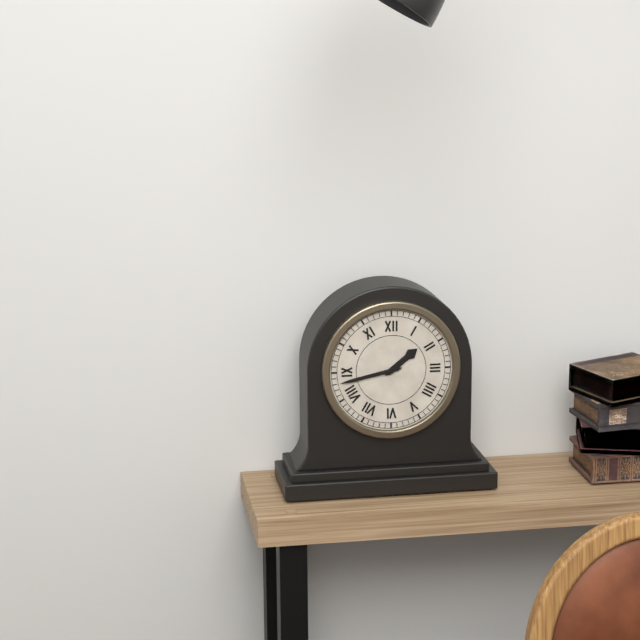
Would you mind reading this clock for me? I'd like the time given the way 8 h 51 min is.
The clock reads 1 h 43 min
